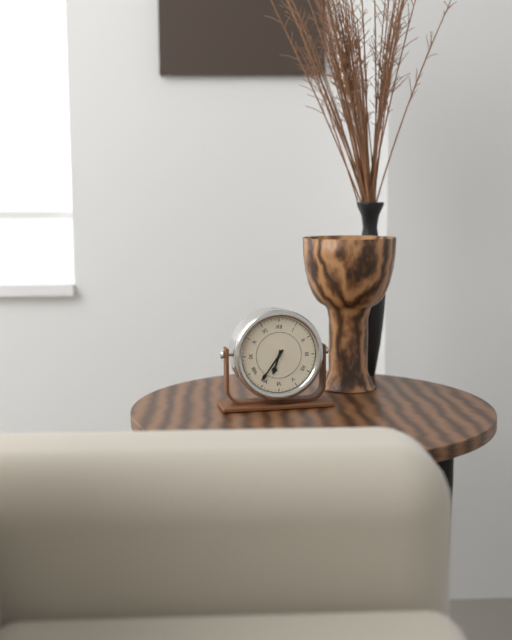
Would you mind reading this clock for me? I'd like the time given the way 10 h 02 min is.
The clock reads 6 h 36 min
